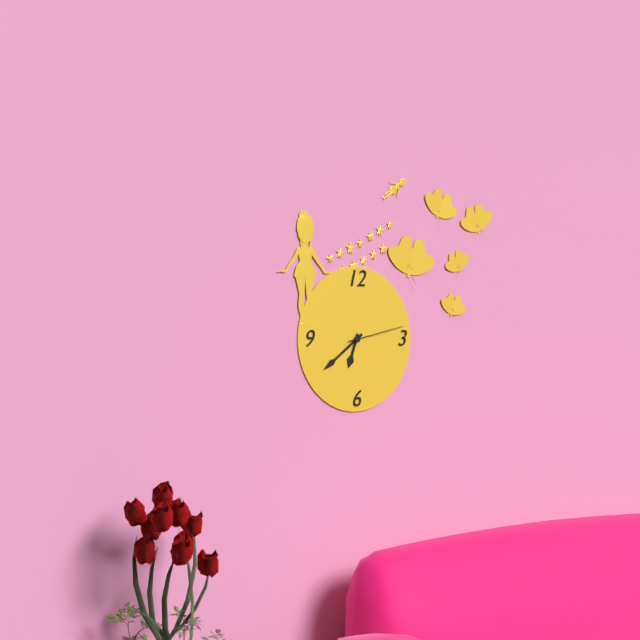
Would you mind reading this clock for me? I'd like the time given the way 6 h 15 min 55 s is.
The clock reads 6 h 39 min 13 s
